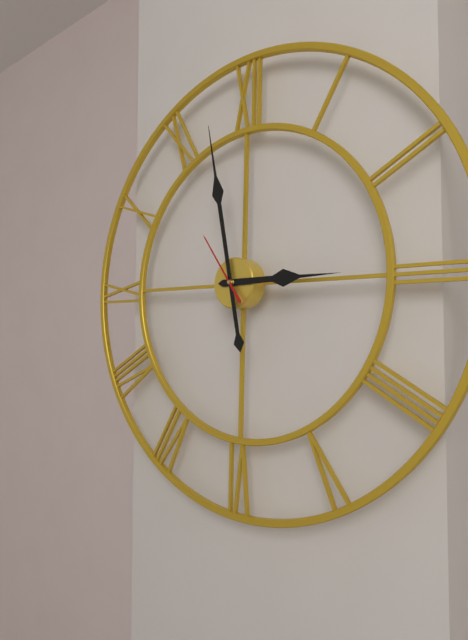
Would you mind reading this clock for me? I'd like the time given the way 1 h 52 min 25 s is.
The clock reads 2 h 58 min 54 s
